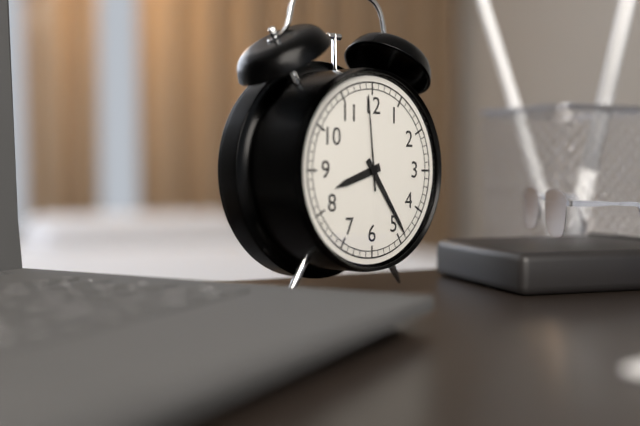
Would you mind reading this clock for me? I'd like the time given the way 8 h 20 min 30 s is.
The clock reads 8 h 24 min 59 s
